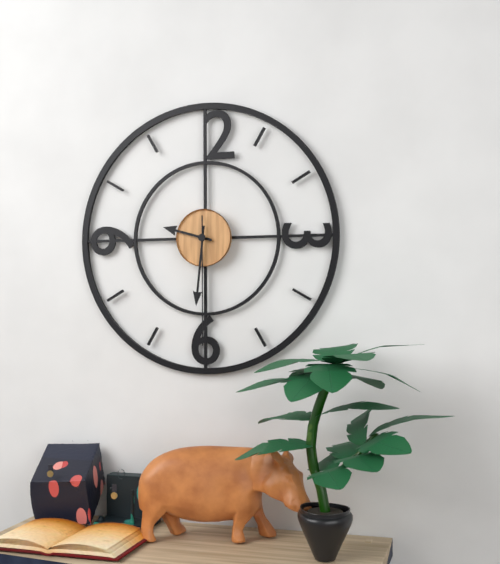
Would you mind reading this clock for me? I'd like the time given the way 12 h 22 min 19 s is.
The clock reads 9 h 31 min 30 s
